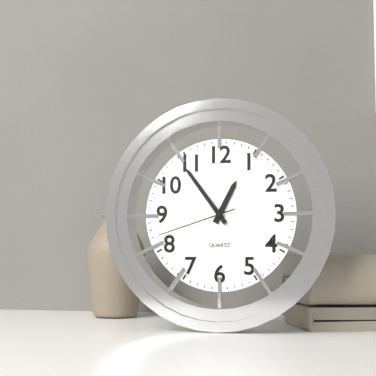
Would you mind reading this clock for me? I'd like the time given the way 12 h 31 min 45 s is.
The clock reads 12 h 54 min 42 s
